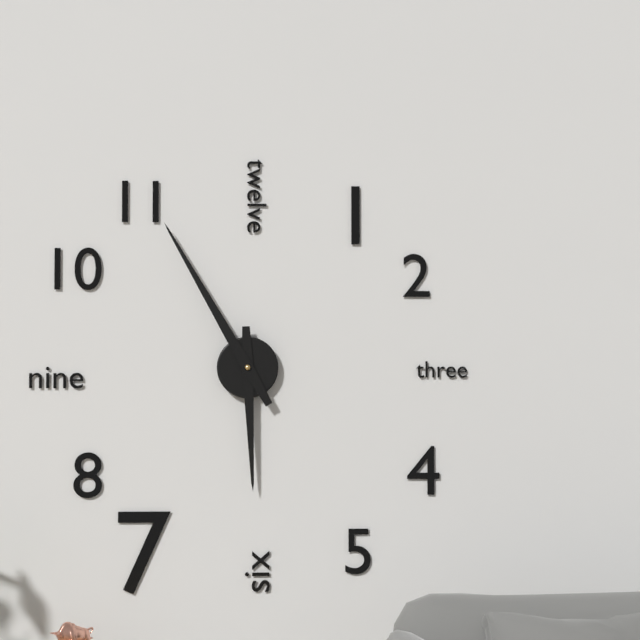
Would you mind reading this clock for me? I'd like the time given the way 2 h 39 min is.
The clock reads 5 h 55 min
